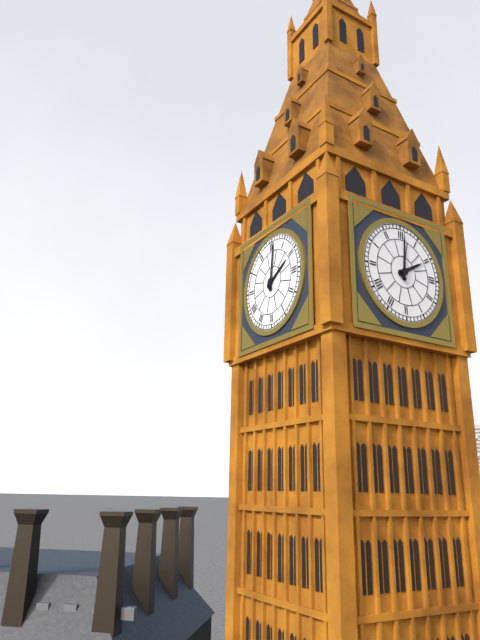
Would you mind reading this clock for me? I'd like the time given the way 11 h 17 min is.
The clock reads 2 h 01 min
